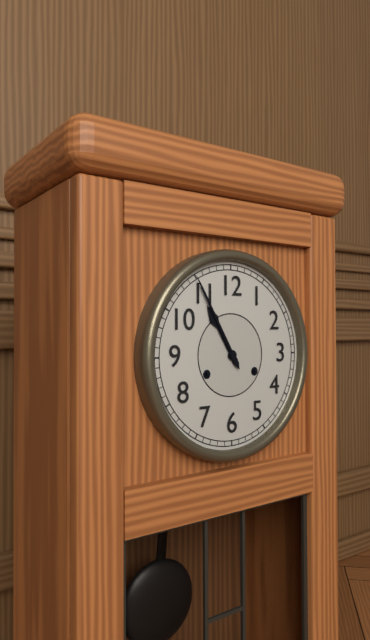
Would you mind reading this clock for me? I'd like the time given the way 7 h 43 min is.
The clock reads 10 h 55 min
